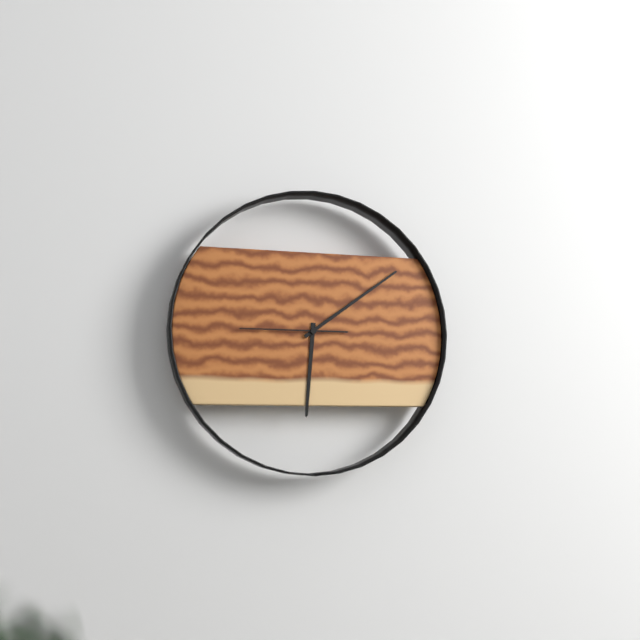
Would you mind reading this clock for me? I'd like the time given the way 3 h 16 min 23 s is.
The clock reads 6 h 09 min 45 s
